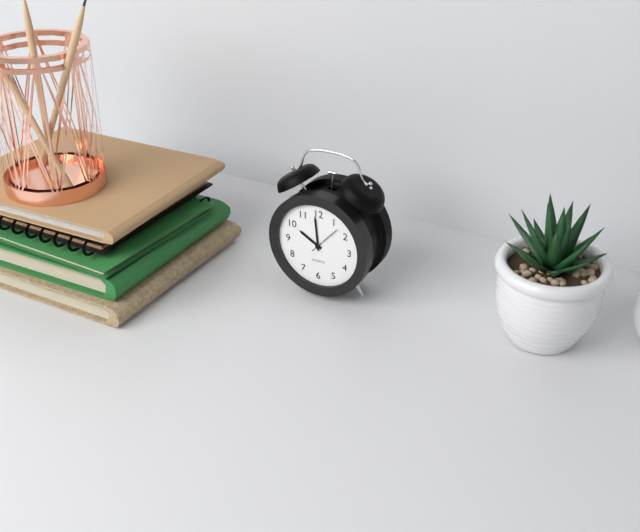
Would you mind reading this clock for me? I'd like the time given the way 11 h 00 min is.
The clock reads 9 h 59 min
